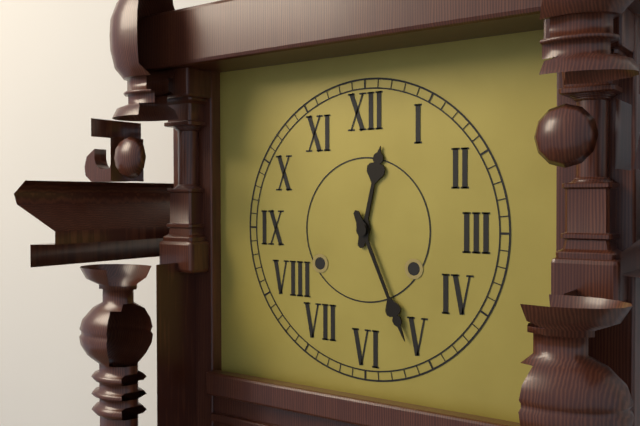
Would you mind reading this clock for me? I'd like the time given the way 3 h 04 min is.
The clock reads 12 h 26 min
